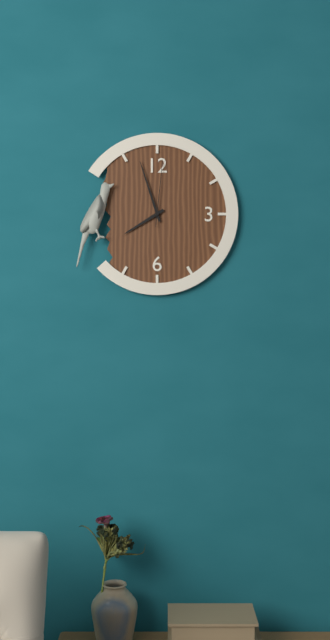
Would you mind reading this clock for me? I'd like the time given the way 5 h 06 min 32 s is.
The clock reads 7 h 57 min 01 s
